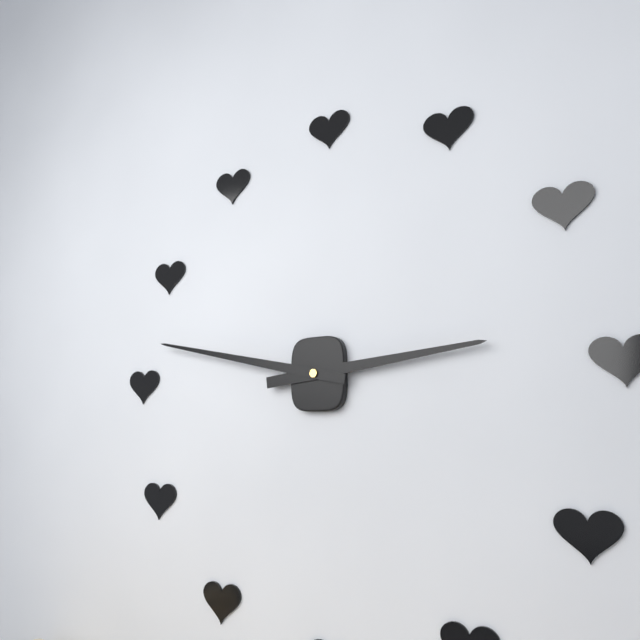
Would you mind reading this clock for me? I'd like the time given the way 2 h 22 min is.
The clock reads 2 h 47 min
